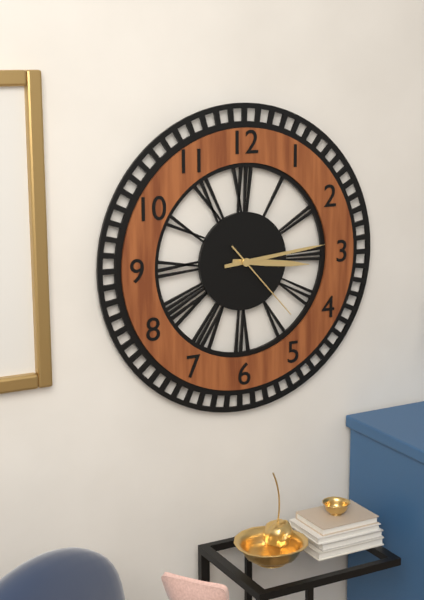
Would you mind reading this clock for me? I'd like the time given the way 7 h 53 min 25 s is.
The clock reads 3 h 14 min 23 s
